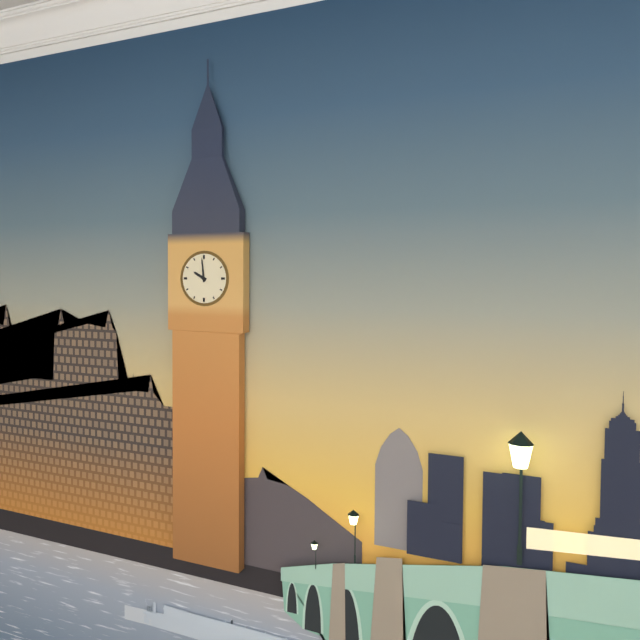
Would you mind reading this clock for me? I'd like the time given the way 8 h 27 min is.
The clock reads 9 h 59 min
